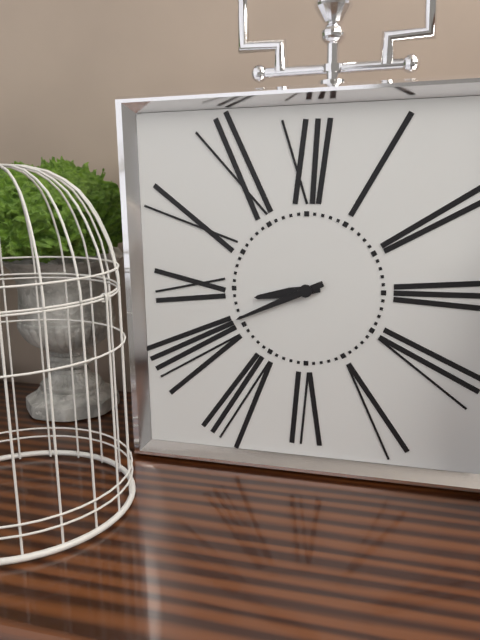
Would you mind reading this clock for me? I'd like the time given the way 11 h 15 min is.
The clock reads 8 h 41 min
